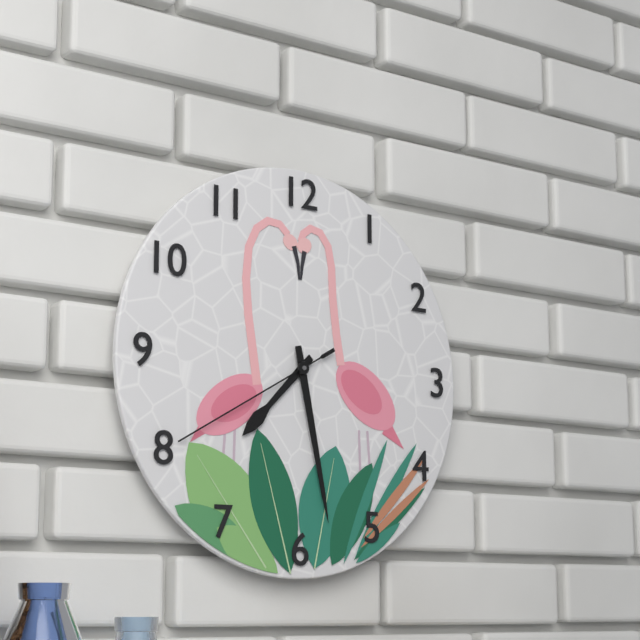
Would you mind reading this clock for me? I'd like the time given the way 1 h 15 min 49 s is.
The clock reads 7 h 28 min 40 s
